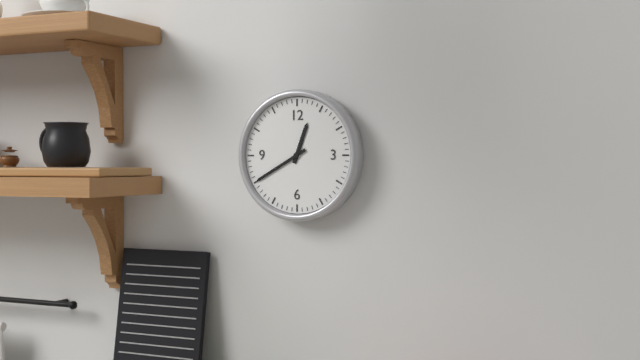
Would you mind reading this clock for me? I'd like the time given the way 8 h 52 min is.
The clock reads 12 h 40 min
